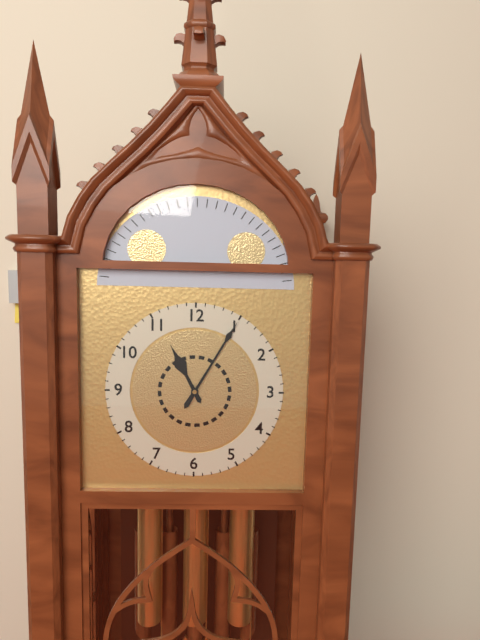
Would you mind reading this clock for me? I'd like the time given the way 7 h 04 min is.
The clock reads 11 h 05 min
